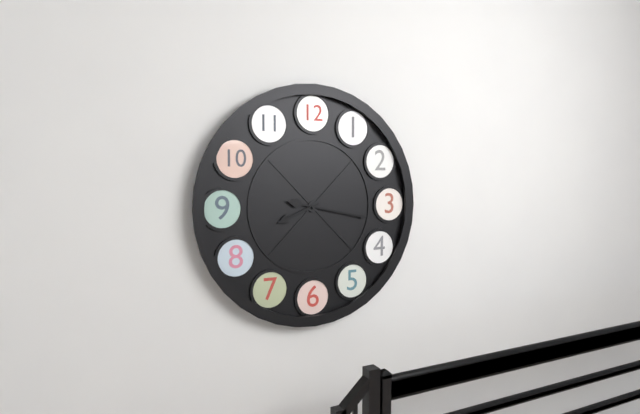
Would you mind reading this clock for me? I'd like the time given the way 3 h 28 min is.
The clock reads 8 h 17 min
